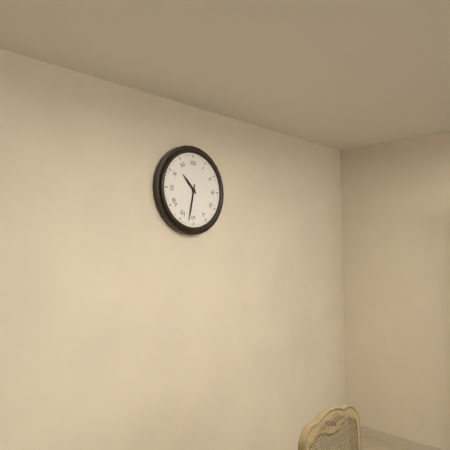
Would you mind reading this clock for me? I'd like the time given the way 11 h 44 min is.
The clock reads 10 h 32 min
